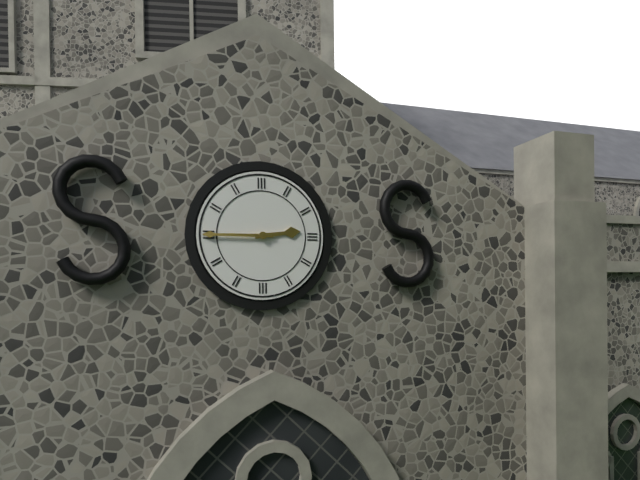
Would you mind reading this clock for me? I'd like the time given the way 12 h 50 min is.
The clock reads 2 h 45 min
